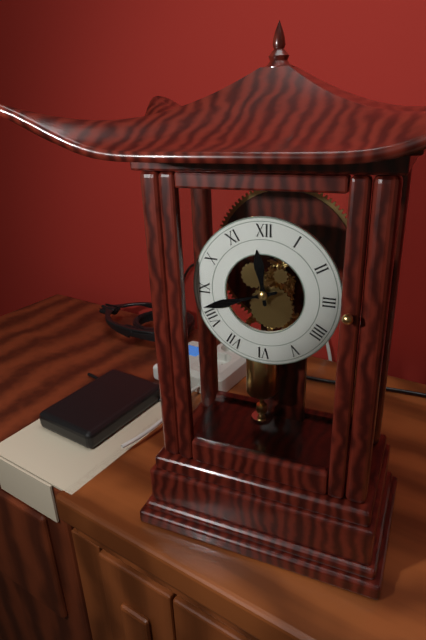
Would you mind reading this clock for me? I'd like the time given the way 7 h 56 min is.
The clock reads 11 h 42 min
